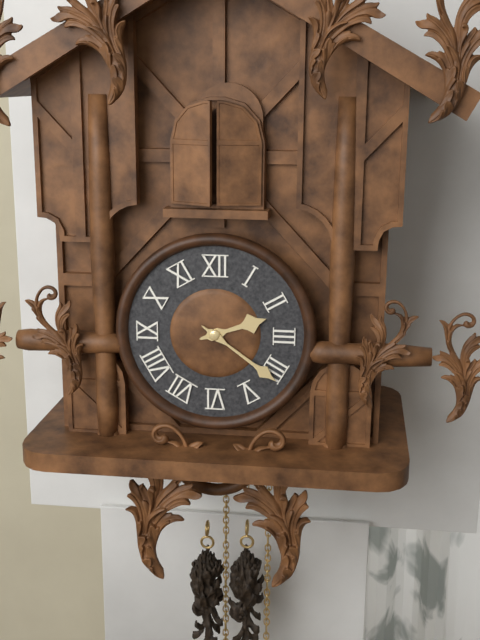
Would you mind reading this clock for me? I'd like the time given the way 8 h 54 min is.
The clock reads 2 h 21 min
